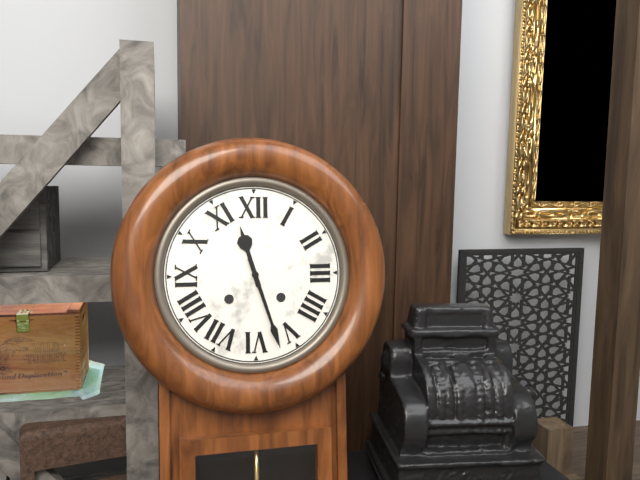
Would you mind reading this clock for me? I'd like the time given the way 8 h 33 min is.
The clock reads 11 h 27 min
